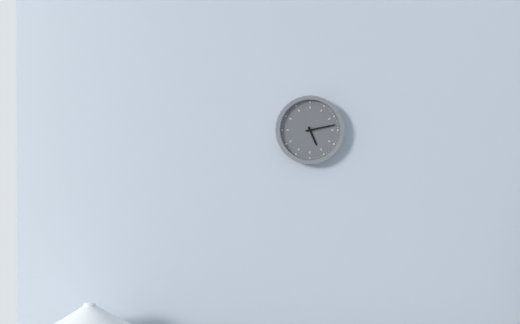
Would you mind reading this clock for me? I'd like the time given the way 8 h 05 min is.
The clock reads 5 h 13 min
